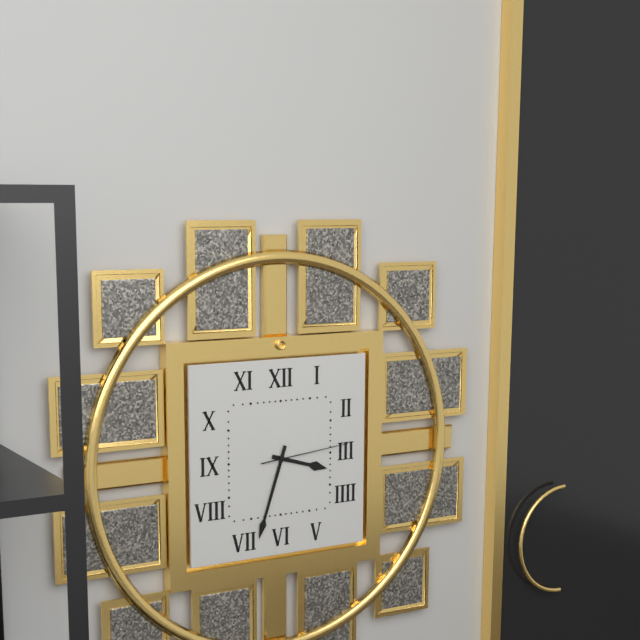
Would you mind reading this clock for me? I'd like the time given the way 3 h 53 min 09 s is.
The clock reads 3 h 33 min 14 s
